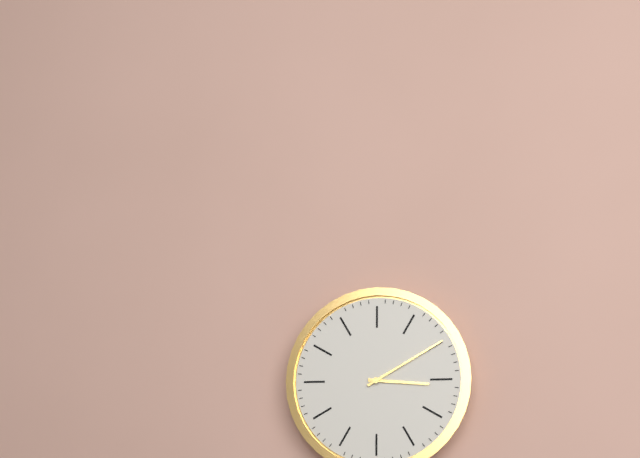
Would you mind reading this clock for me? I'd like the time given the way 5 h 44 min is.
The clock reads 3 h 10 min
